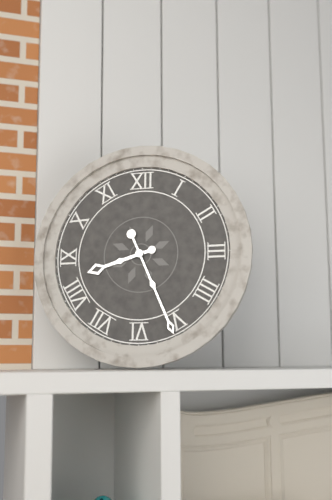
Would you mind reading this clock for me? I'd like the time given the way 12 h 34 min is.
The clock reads 8 h 26 min
